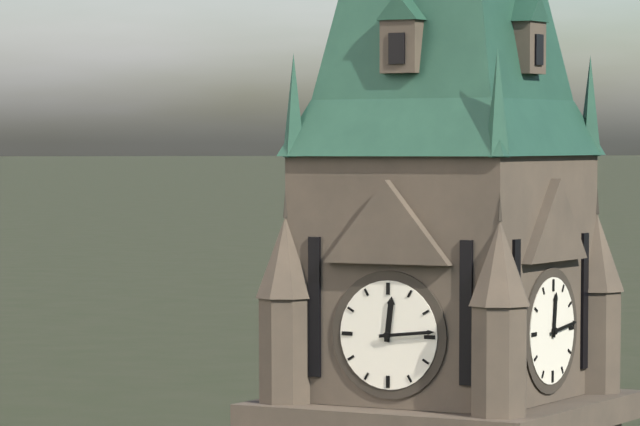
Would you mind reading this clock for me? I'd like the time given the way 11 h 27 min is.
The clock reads 12 h 14 min
